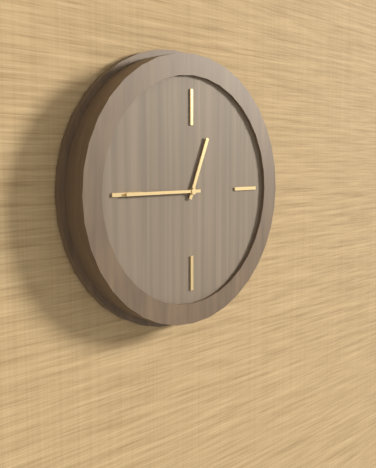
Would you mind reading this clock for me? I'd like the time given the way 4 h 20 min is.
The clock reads 12 h 45 min
